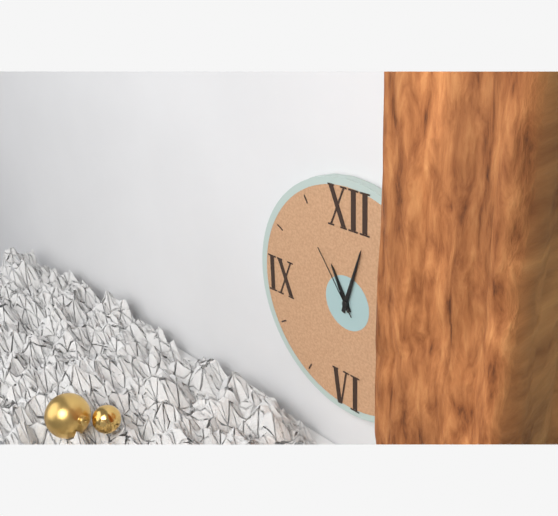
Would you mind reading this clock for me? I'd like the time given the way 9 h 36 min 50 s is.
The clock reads 11 h 03 min 54 s
